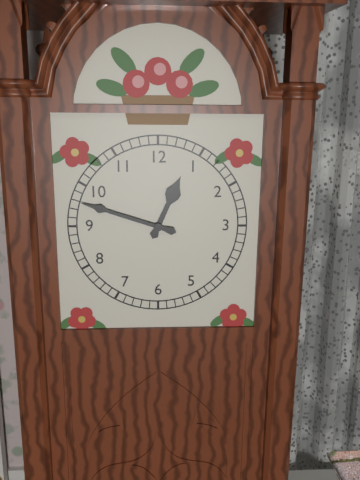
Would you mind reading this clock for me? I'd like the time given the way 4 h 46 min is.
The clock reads 12 h 48 min
